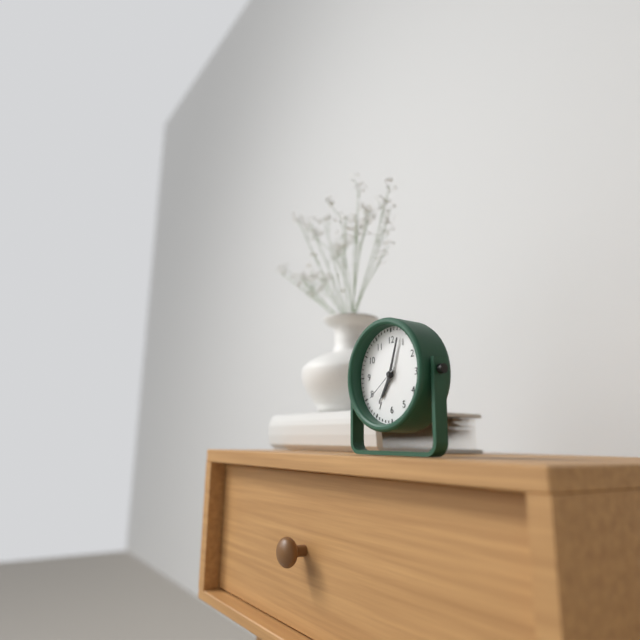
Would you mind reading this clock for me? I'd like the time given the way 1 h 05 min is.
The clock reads 7 h 03 min
